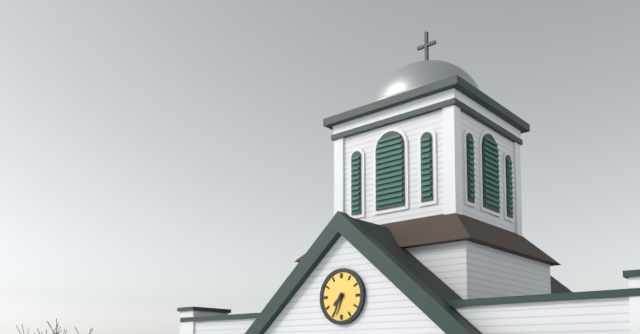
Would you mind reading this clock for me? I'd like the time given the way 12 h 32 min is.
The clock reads 7 h 34 min
